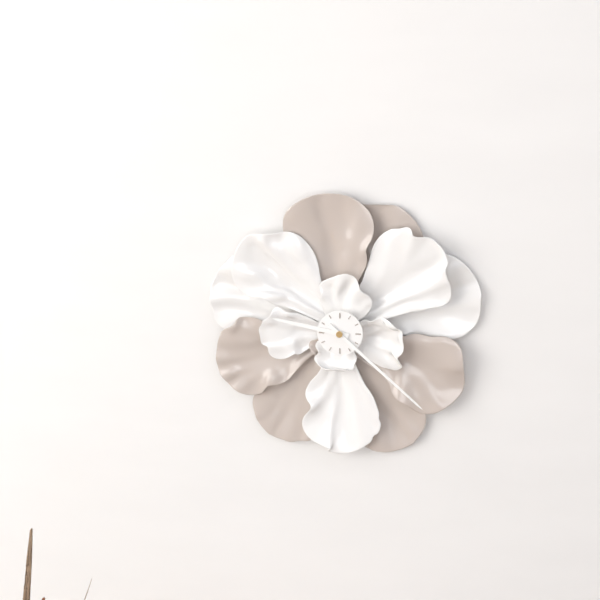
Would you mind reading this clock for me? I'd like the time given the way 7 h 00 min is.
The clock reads 9 h 22 min
